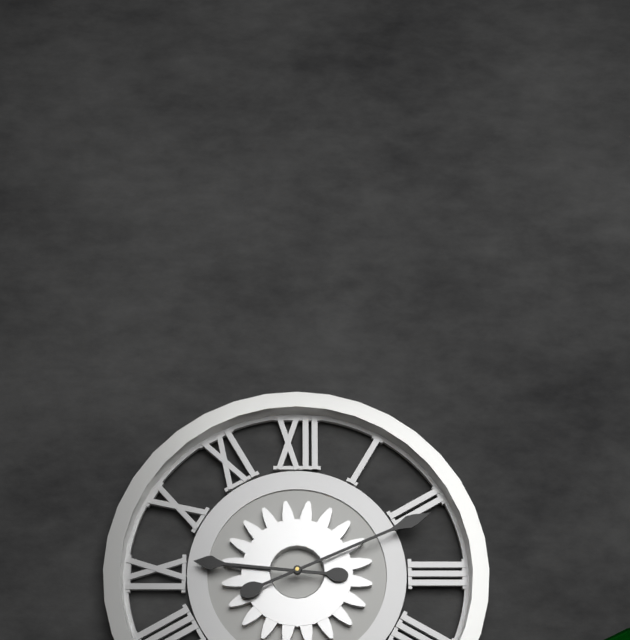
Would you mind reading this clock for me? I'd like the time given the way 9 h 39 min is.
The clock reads 9 h 11 min
